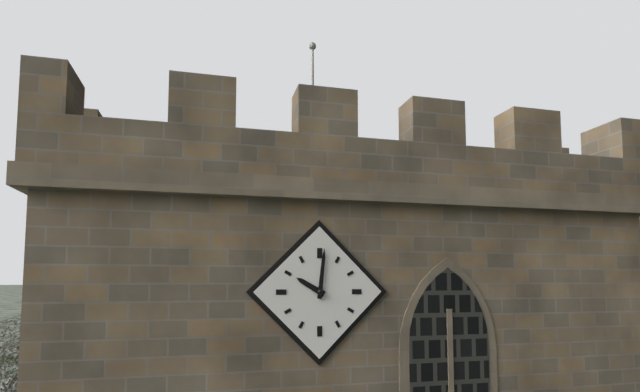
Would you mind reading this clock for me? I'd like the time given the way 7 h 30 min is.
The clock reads 10 h 01 min
